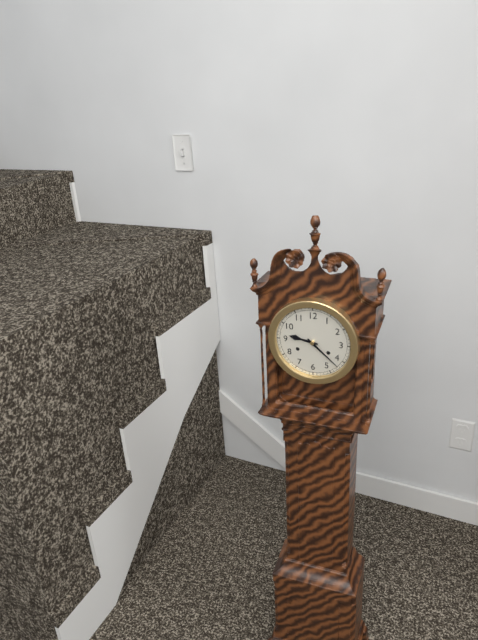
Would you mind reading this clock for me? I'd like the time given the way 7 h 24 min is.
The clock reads 9 h 22 min
